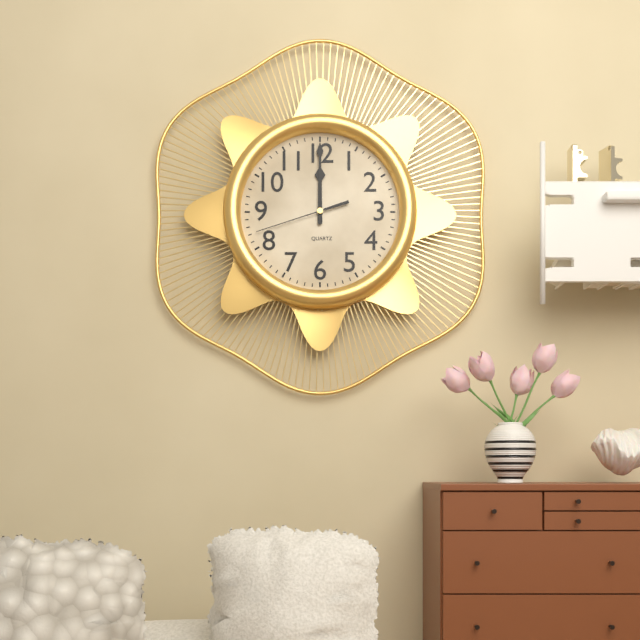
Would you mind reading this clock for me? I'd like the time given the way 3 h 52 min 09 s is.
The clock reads 12 h 00 min 42 s
